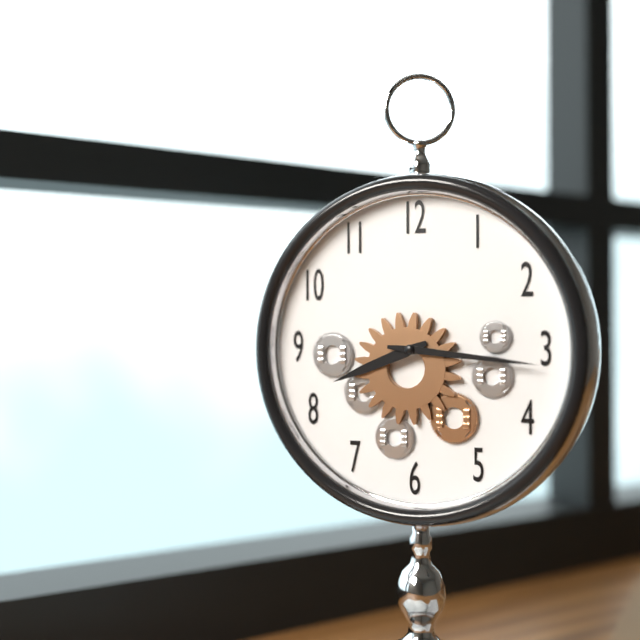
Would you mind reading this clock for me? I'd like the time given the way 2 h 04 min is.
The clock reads 8 h 16 min
